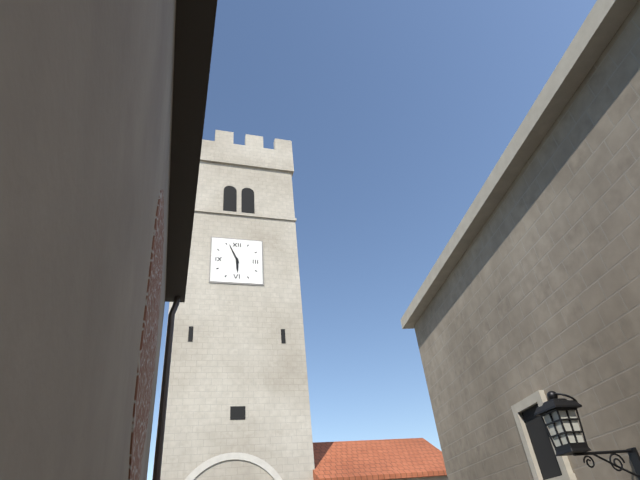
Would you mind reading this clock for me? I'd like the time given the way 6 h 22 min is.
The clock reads 5 h 56 min
